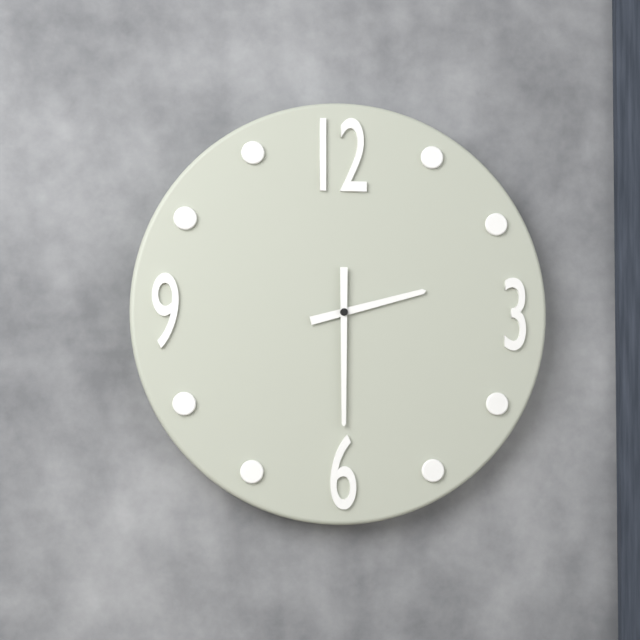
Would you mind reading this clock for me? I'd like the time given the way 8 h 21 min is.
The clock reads 2 h 30 min
